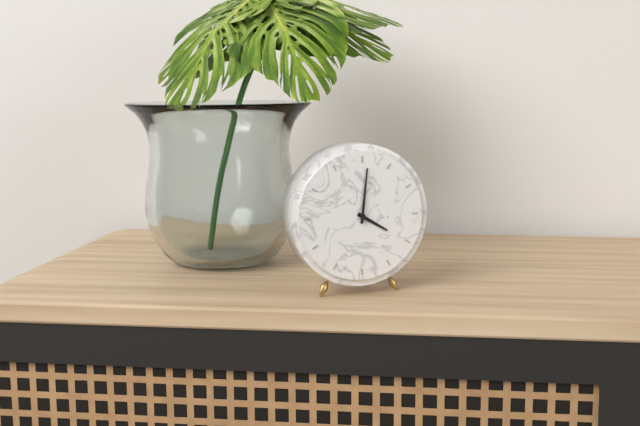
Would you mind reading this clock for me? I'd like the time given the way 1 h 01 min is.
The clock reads 4 h 01 min
